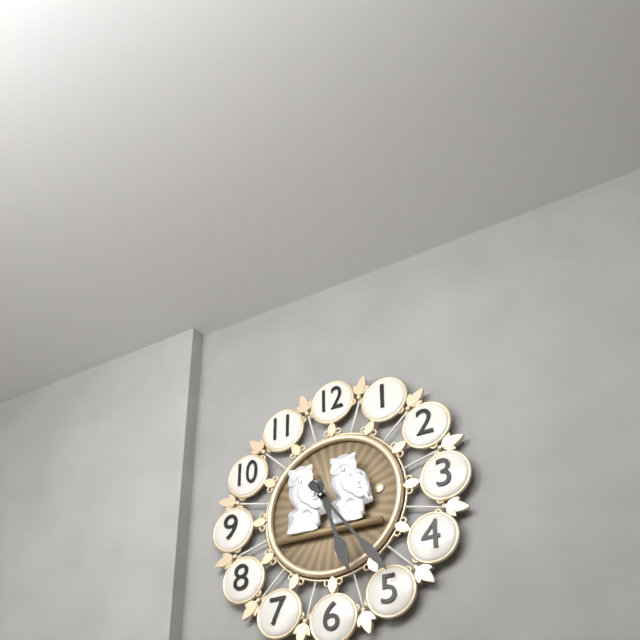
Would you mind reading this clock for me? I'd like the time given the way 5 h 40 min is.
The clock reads 5 h 24 min
